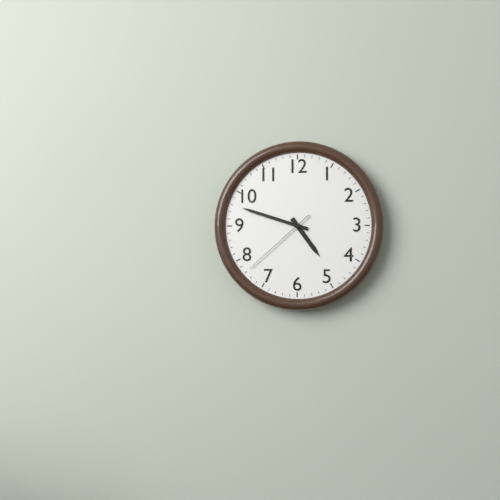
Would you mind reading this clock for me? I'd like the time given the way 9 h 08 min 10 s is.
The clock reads 4 h 48 min 38 s
